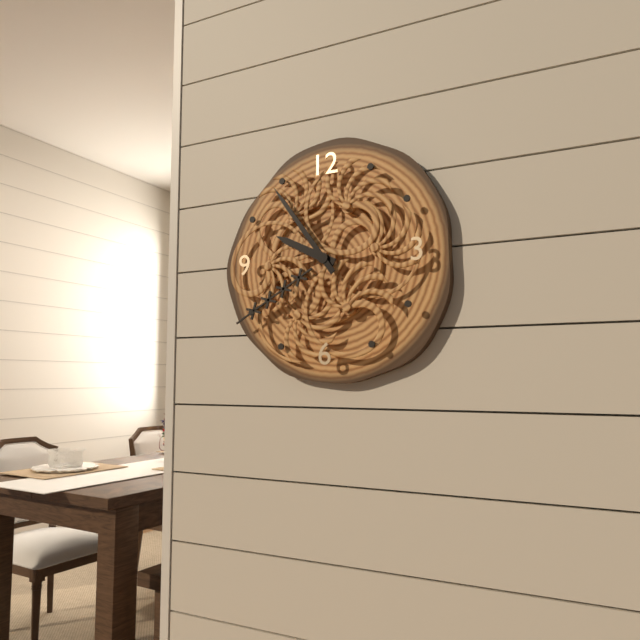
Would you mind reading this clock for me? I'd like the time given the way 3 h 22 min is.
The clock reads 9 h 54 min
